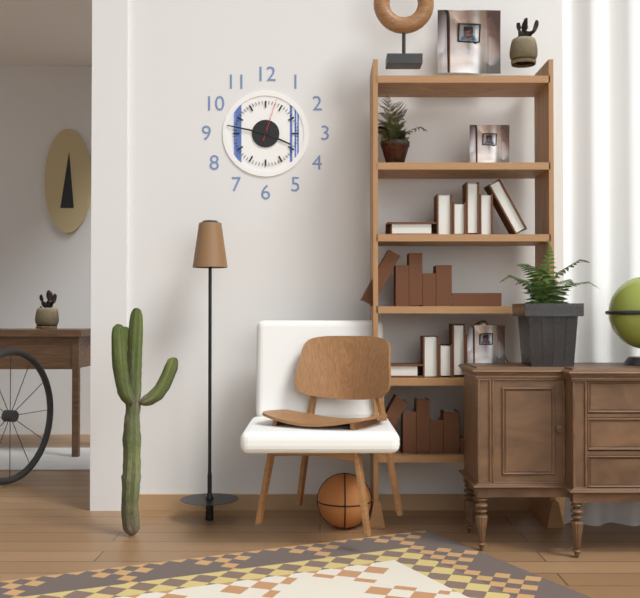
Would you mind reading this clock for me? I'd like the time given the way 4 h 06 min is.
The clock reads 3 h 47 min
